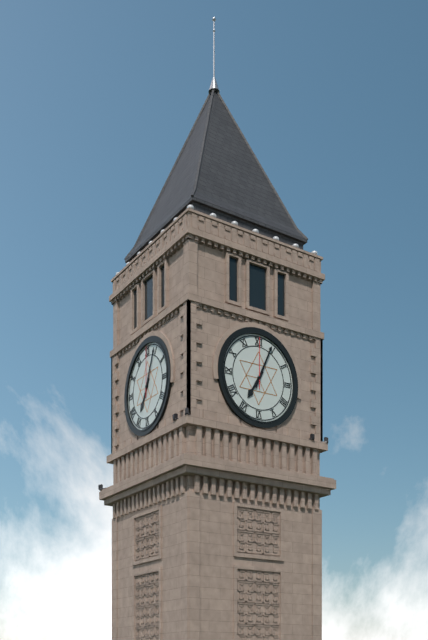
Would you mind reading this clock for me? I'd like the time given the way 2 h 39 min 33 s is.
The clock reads 7 h 04 min 00 s
